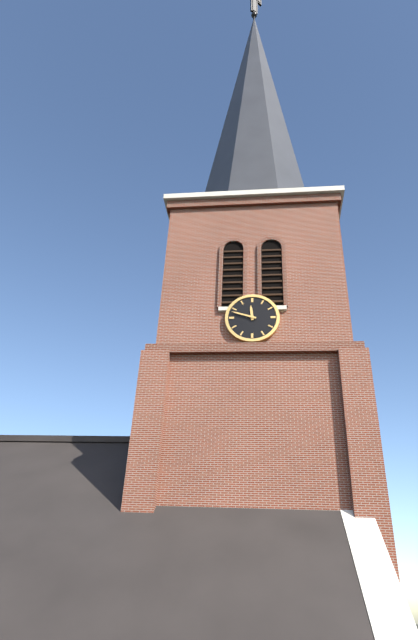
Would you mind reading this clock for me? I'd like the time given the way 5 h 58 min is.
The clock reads 11 h 48 min
